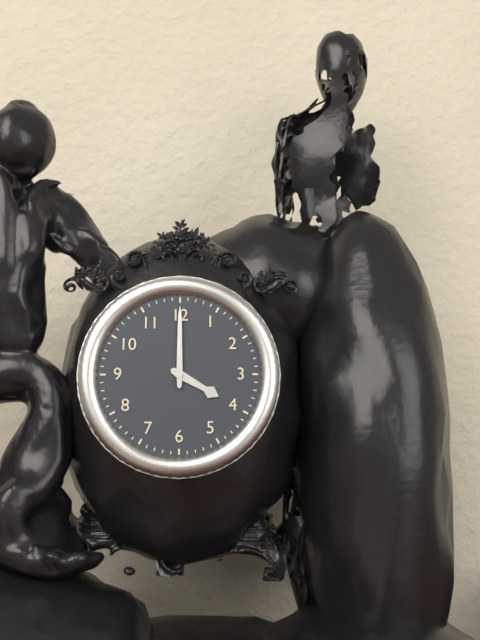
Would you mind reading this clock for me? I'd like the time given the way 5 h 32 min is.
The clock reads 4 h 00 min
